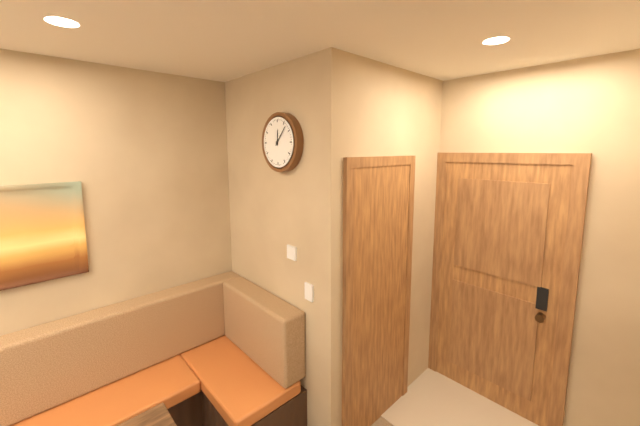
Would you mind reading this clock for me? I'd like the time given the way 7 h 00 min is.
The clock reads 12 h 07 min
